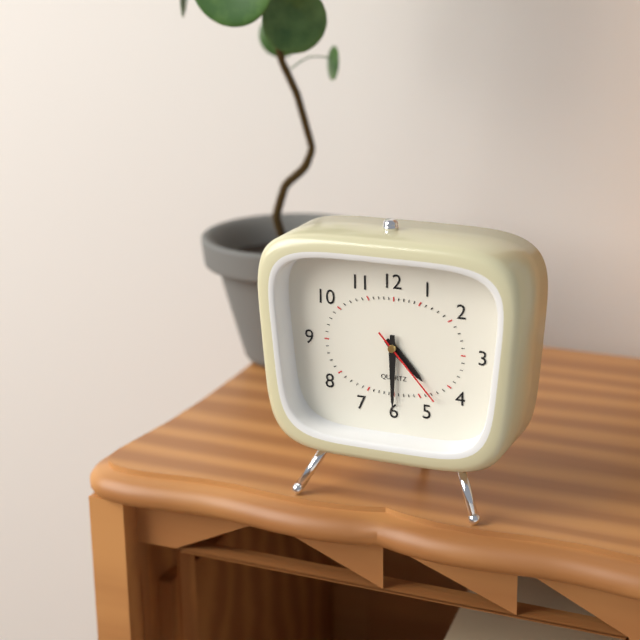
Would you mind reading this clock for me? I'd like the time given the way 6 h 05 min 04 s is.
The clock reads 4 h 30 min 23 s
